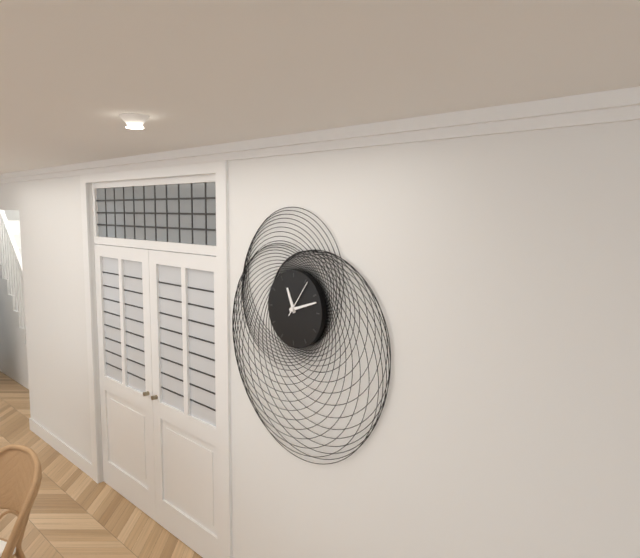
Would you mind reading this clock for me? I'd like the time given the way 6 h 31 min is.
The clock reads 11 h 12 min
